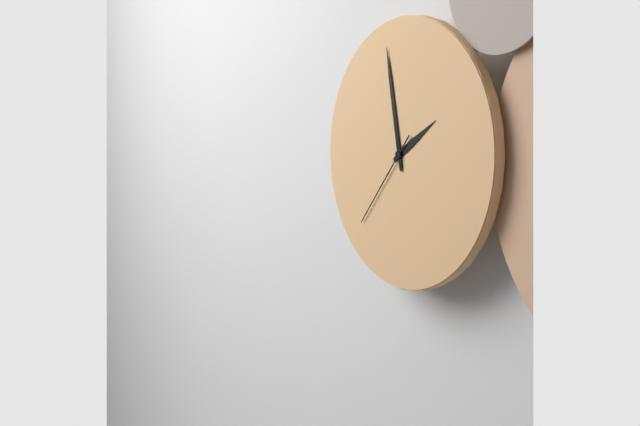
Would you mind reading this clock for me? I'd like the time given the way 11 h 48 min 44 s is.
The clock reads 1 h 58 min 37 s
